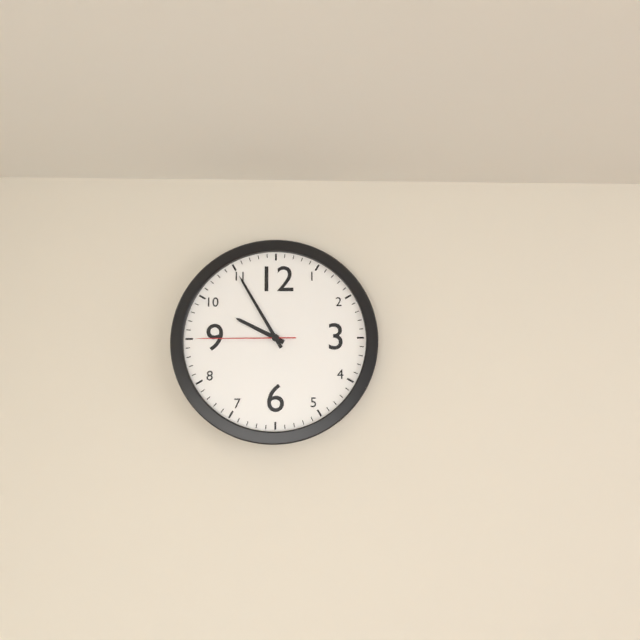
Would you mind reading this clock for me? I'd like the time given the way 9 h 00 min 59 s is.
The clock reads 9 h 55 min 45 s
